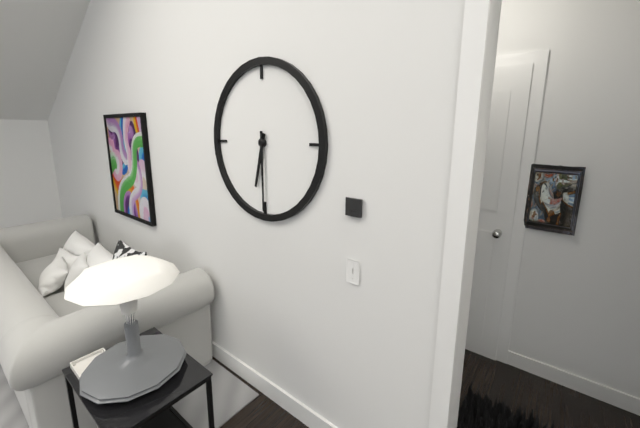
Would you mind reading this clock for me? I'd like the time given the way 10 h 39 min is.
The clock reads 6 h 30 min
